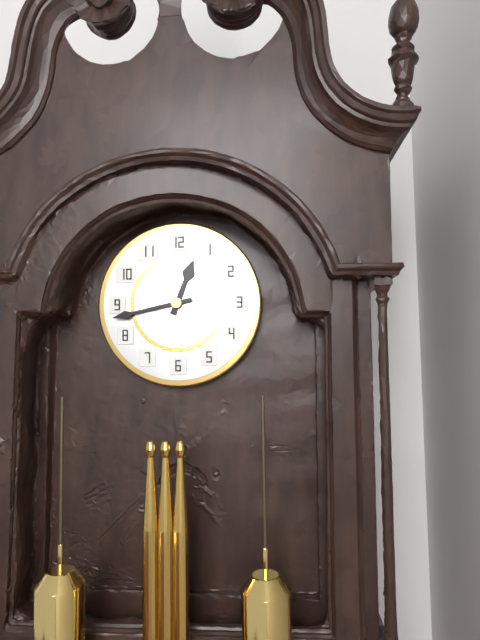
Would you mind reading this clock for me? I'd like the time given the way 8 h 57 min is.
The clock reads 12 h 43 min
